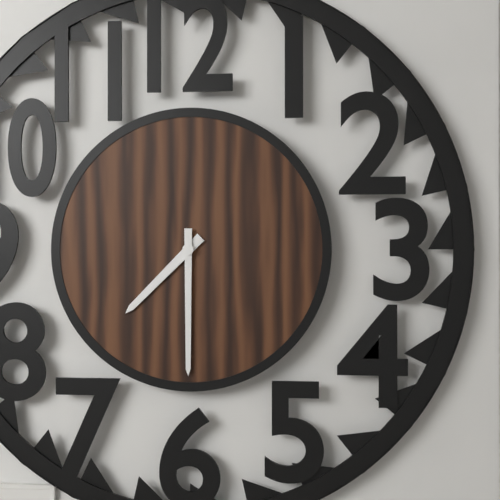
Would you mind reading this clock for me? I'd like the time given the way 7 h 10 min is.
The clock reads 7 h 30 min
